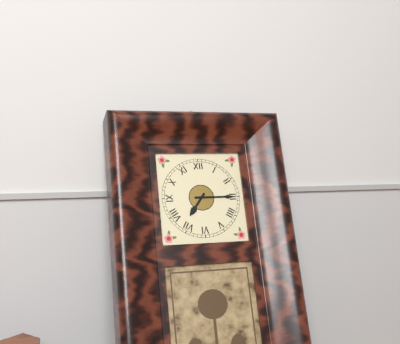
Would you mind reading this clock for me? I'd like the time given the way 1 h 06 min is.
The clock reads 7 h 15 min
